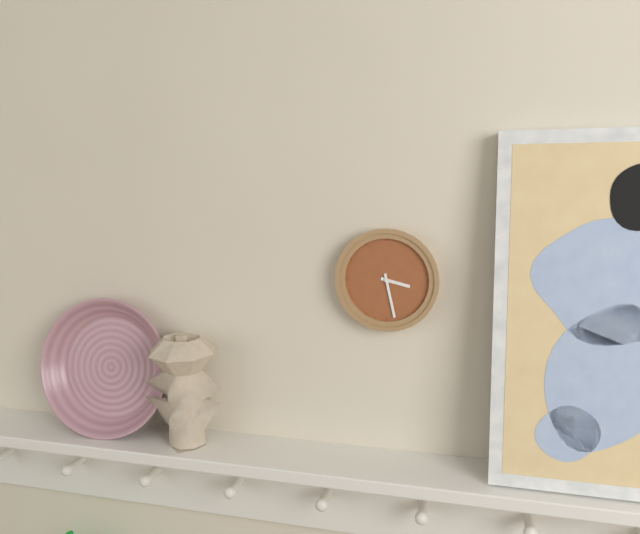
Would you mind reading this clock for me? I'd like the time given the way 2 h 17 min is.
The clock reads 3 h 28 min
